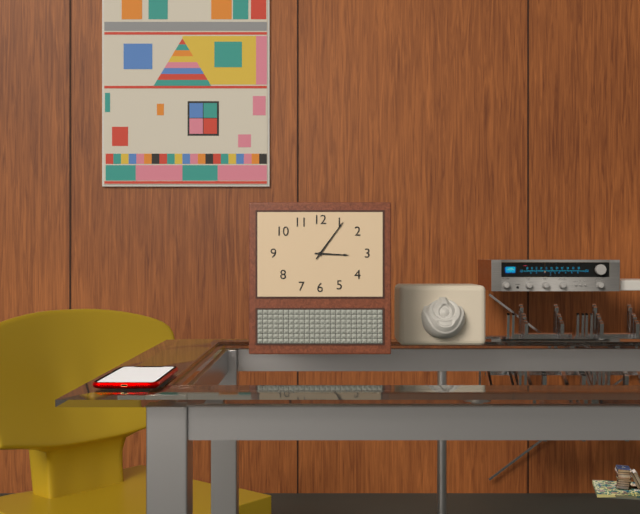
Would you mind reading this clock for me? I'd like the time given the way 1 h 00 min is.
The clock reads 3 h 06 min
